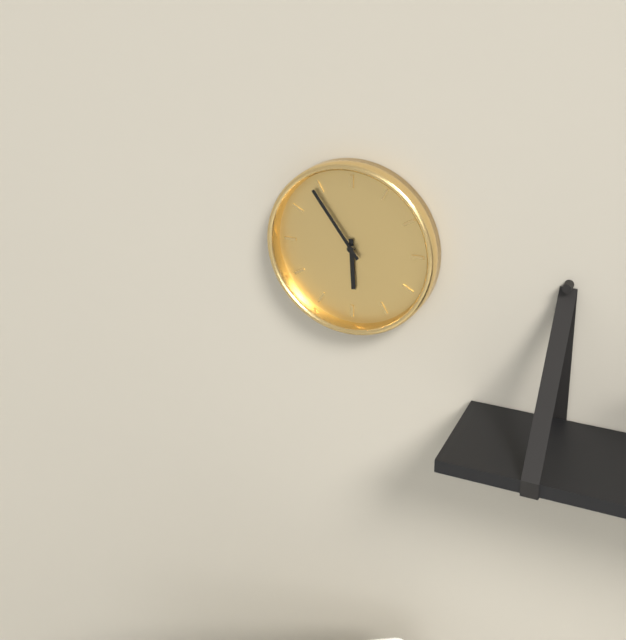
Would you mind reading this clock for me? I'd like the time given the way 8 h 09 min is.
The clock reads 5 h 54 min
